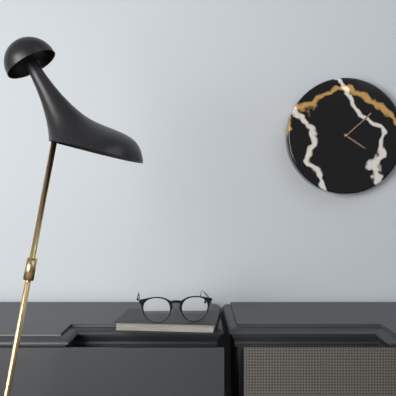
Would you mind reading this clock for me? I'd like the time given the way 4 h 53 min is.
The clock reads 4 h 08 min
